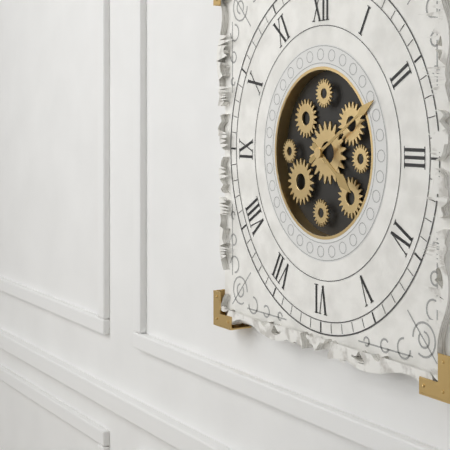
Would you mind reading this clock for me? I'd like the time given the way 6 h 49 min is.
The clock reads 4 h 10 min
